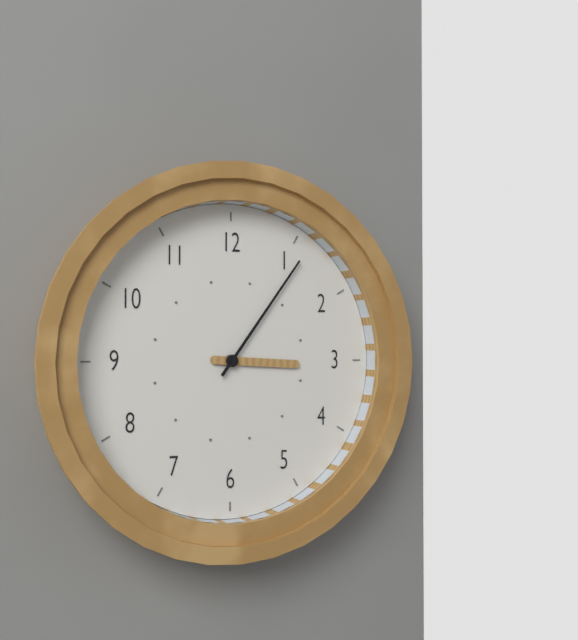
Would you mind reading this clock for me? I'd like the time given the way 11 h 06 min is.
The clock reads 3 h 06 min
